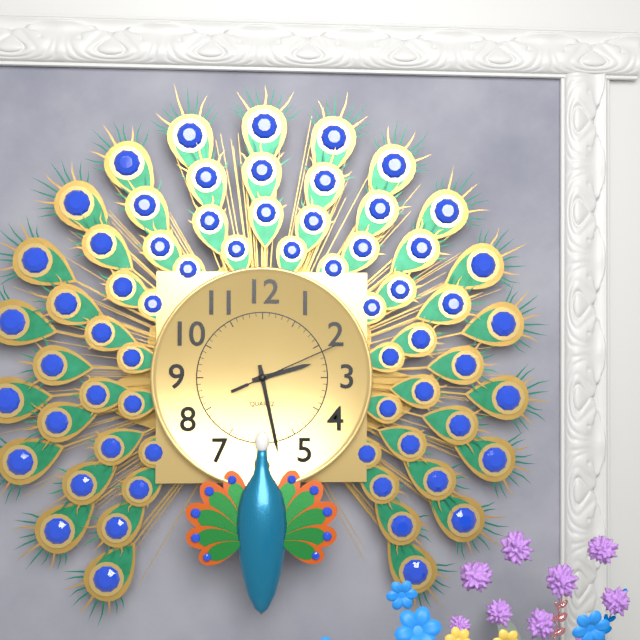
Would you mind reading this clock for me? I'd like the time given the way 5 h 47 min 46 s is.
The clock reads 2 h 28 min 11 s
